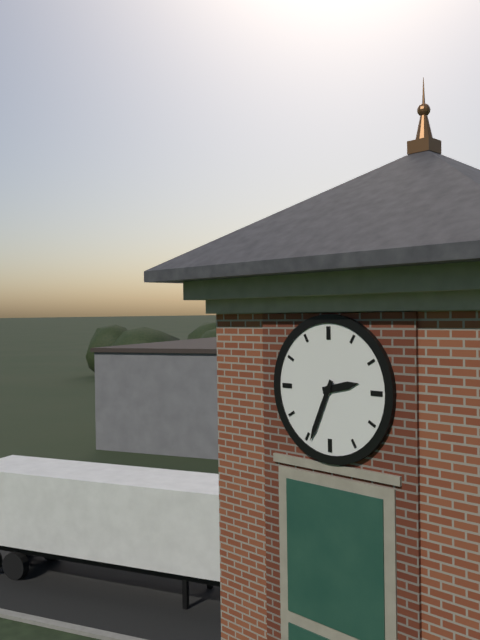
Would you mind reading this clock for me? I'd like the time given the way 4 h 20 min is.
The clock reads 2 h 34 min
